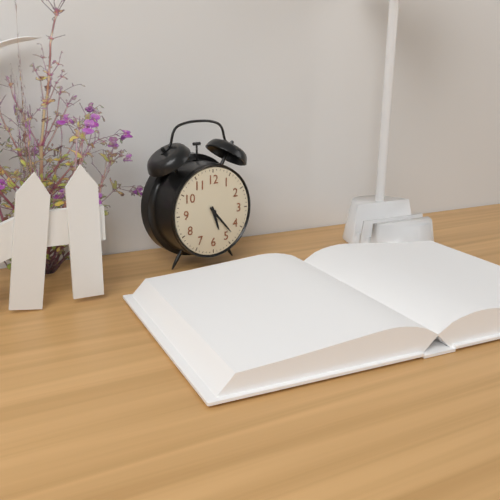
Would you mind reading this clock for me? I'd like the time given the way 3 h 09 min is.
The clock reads 5 h 23 min
